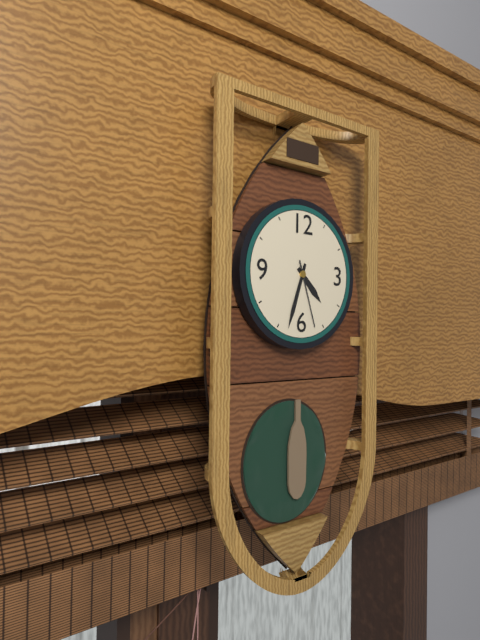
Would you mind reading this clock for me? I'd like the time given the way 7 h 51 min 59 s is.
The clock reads 4 h 33 min 27 s
